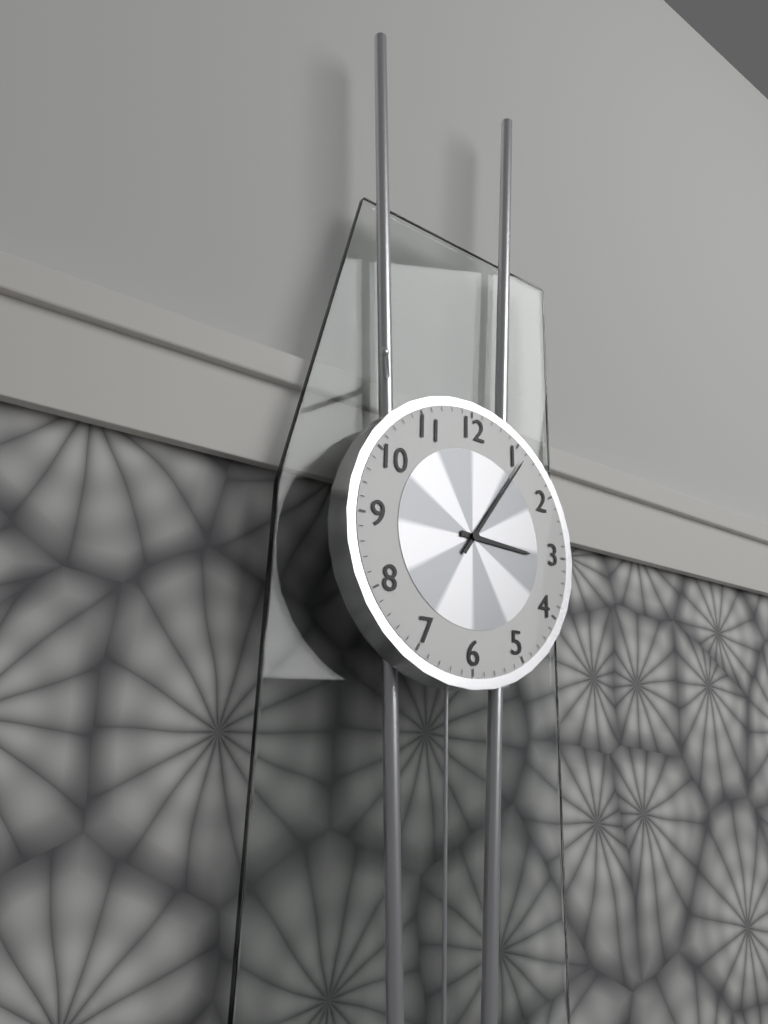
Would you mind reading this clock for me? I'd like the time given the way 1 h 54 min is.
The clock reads 3 h 06 min
